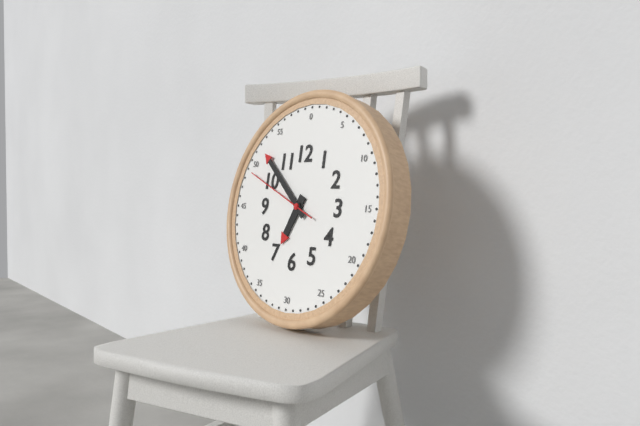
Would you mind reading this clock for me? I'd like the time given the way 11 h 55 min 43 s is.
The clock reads 6 h 52 min 49 s
